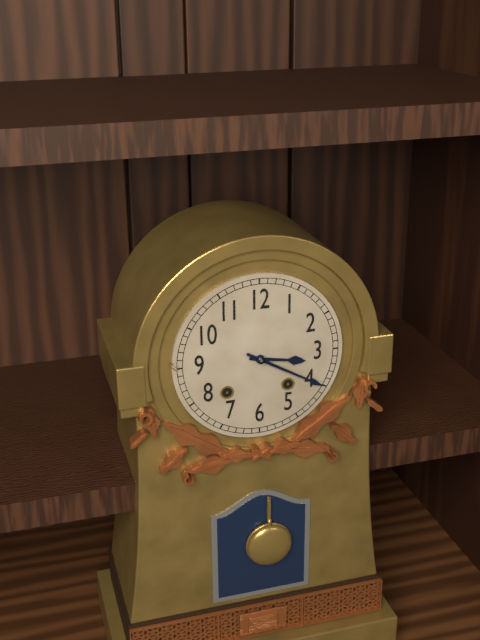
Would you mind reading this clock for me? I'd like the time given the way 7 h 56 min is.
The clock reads 3 h 20 min
